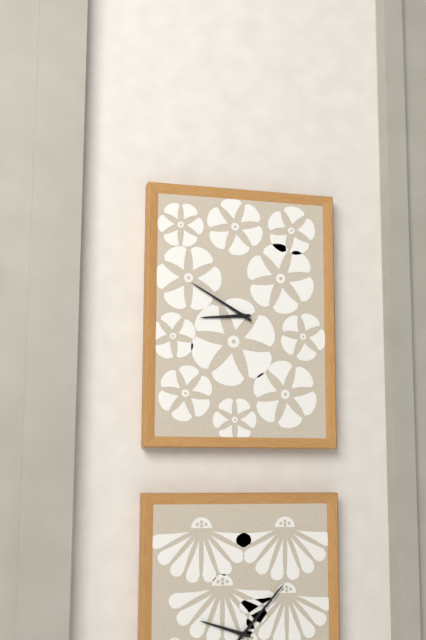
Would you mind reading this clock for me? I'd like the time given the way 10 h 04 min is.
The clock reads 8 h 50 min
